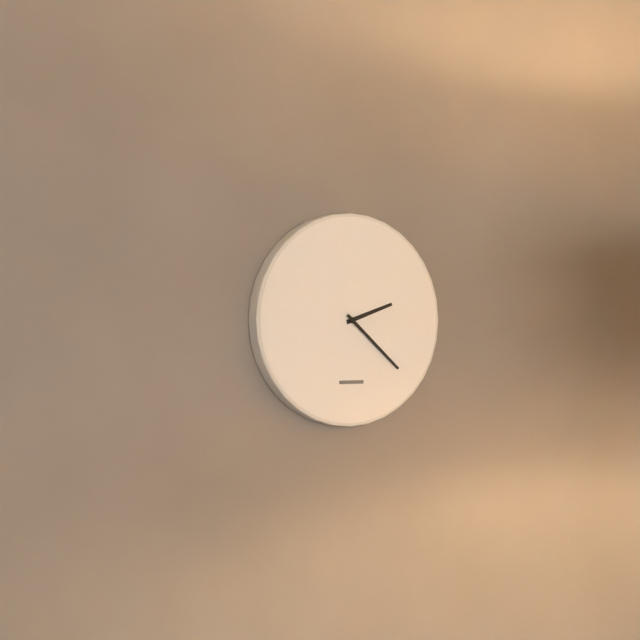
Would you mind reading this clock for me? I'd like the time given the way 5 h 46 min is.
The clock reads 2 h 22 min
